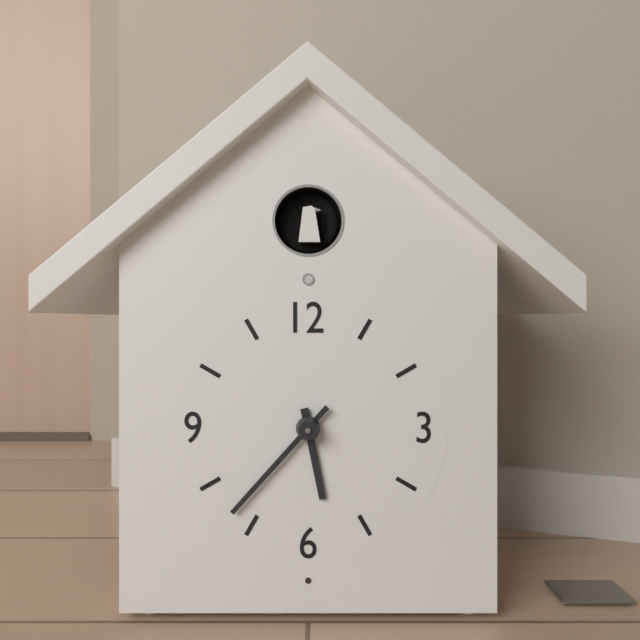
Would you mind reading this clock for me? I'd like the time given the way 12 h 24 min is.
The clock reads 5 h 37 min
